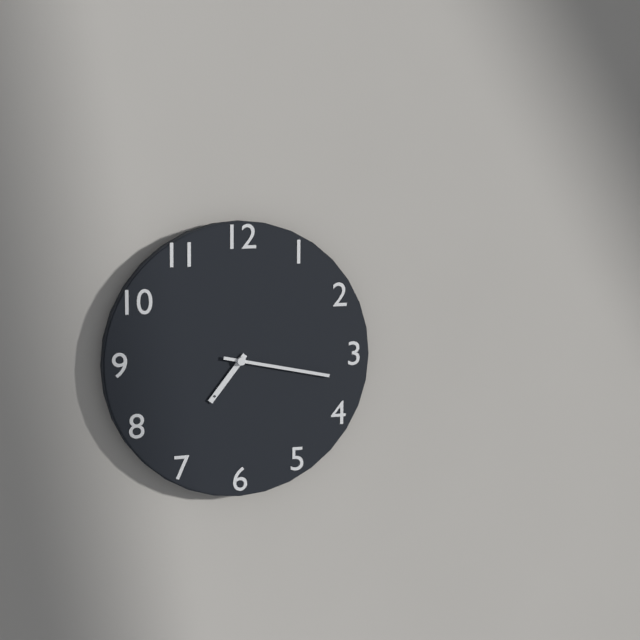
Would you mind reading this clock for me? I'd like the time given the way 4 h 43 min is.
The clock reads 7 h 17 min
